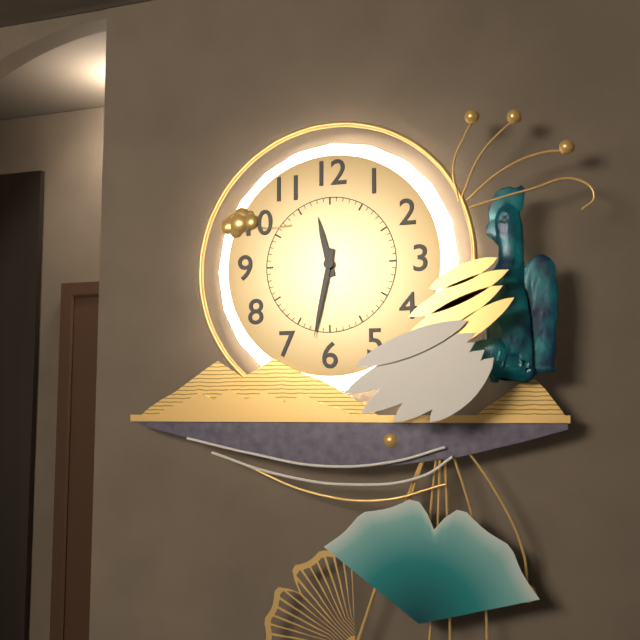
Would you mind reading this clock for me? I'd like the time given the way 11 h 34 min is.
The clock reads 11 h 32 min
